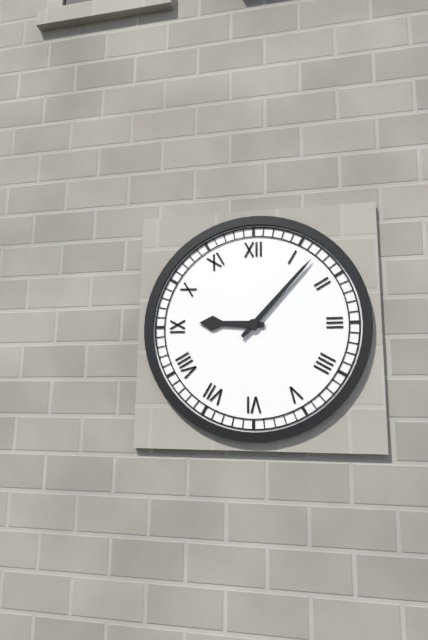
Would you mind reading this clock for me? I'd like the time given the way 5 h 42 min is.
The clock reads 9 h 07 min
